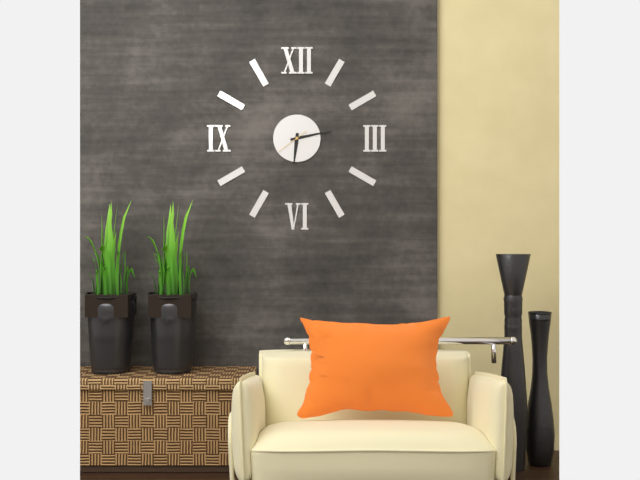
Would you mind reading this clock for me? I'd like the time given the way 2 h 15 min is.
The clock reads 6 h 13 min
